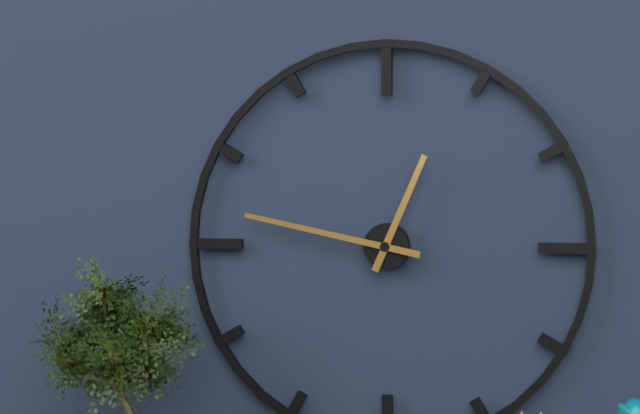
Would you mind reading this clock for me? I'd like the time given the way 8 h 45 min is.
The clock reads 12 h 47 min
